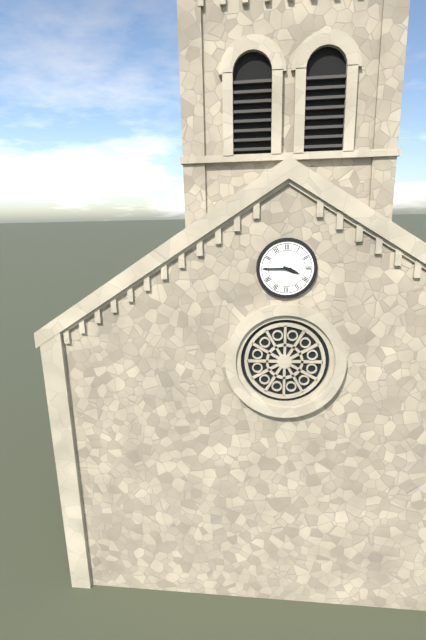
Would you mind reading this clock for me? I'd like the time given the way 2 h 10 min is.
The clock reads 3 h 45 min
